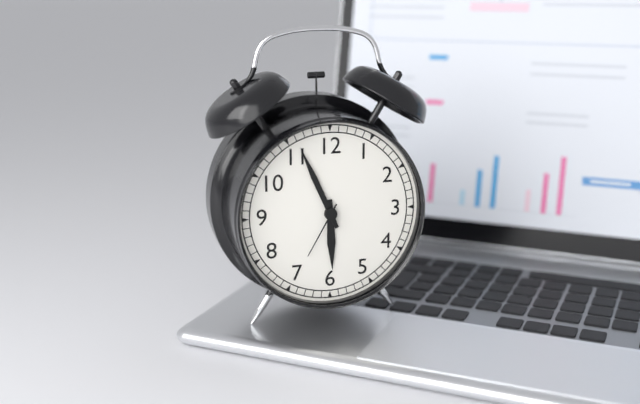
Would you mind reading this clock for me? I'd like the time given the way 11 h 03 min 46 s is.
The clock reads 5 h 56 min 35 s
